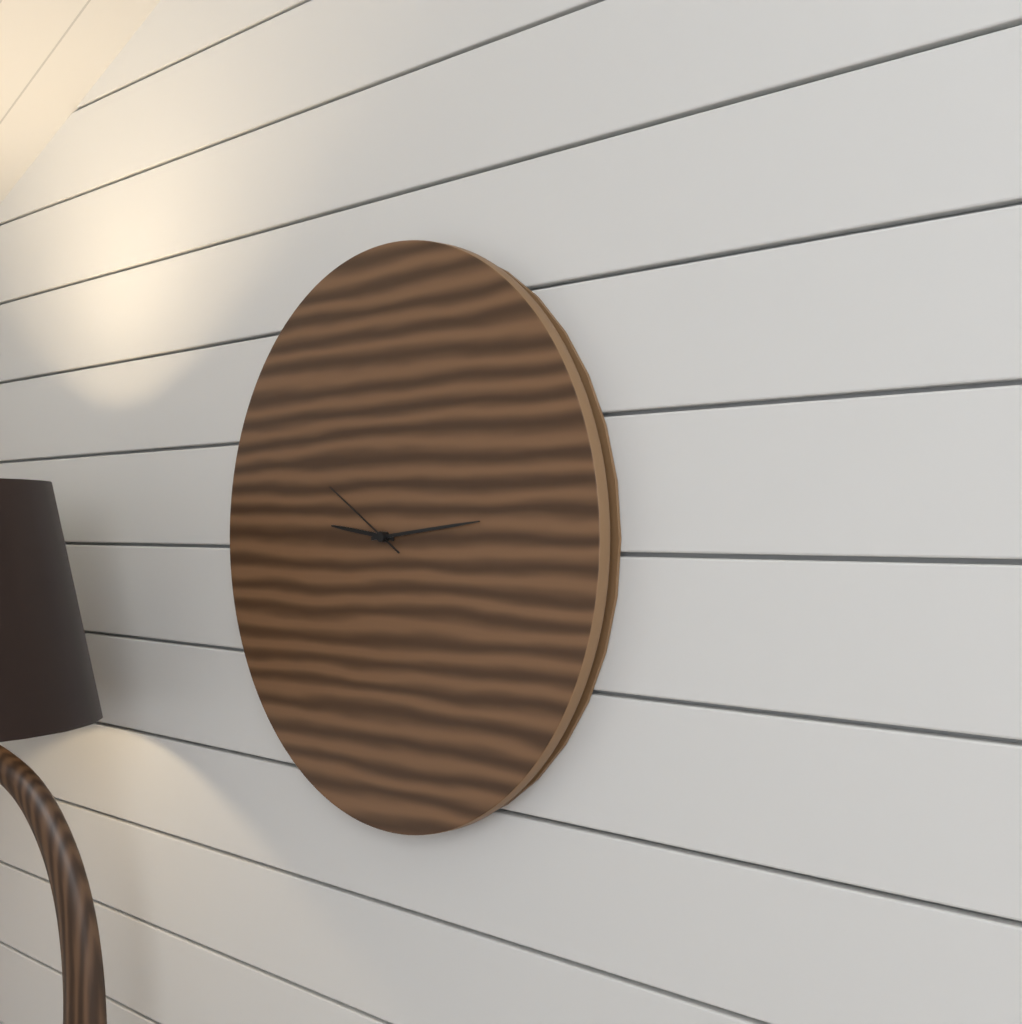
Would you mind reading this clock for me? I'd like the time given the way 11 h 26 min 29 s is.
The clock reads 9 h 14 min 50 s
